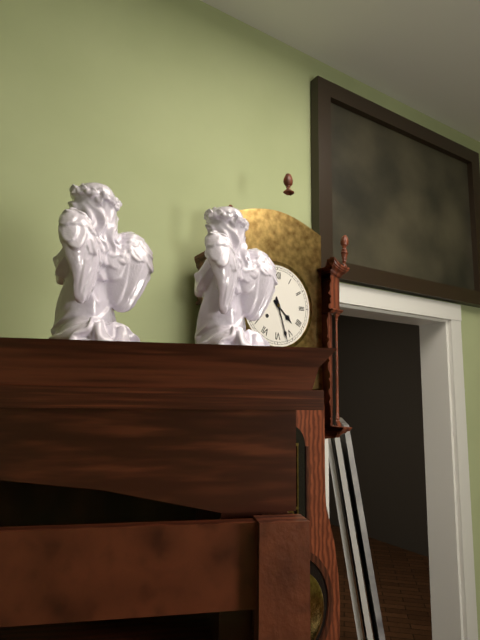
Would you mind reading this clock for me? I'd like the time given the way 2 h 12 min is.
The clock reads 4 h 27 min
